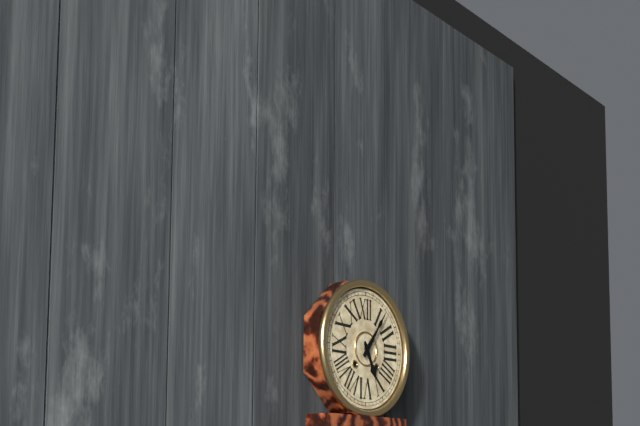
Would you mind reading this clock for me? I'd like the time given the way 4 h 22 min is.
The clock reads 5 h 06 min
